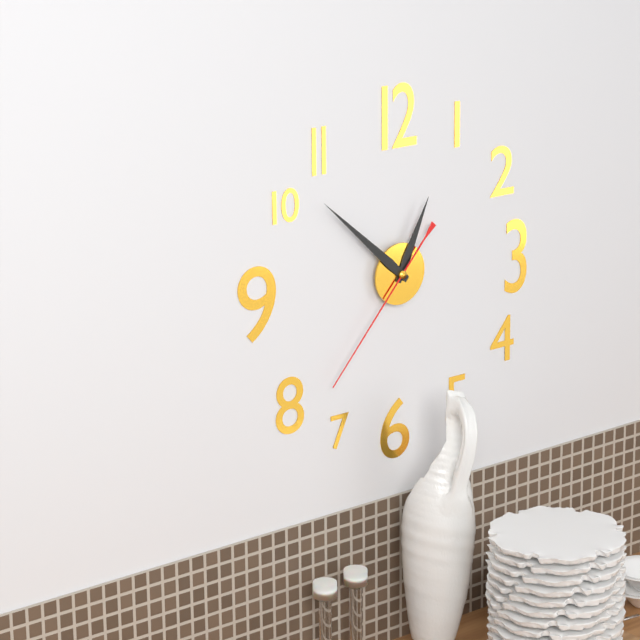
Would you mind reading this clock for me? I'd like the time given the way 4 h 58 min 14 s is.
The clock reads 12 h 52 min 37 s
